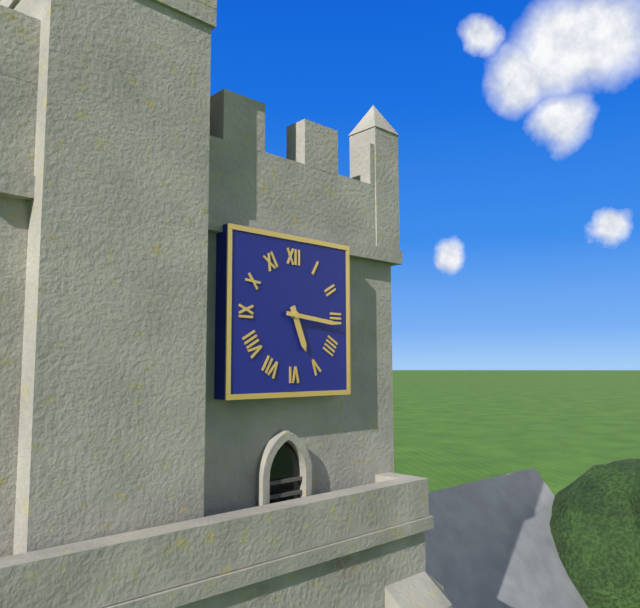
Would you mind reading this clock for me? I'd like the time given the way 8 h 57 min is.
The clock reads 5 h 16 min
